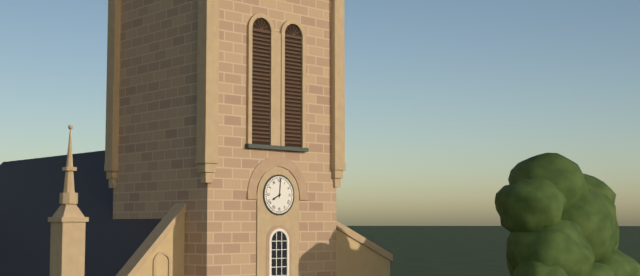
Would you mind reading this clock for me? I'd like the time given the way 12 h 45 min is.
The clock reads 8 h 01 min
